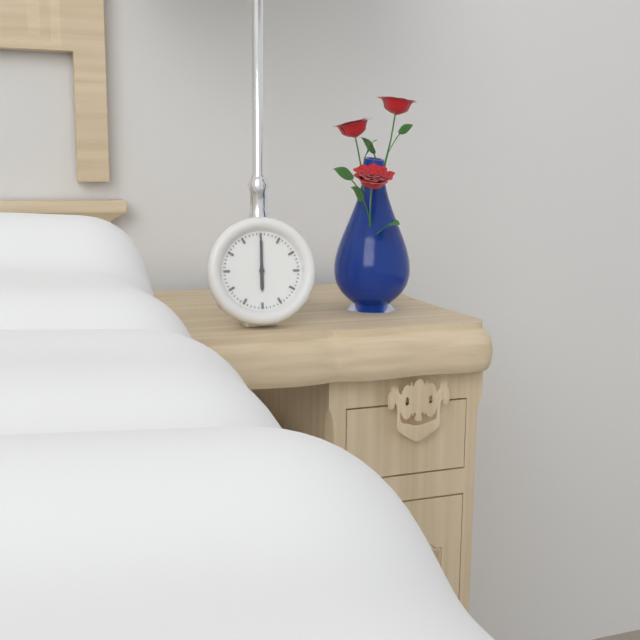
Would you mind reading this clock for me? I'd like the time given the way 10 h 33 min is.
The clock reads 6 h 00 min
